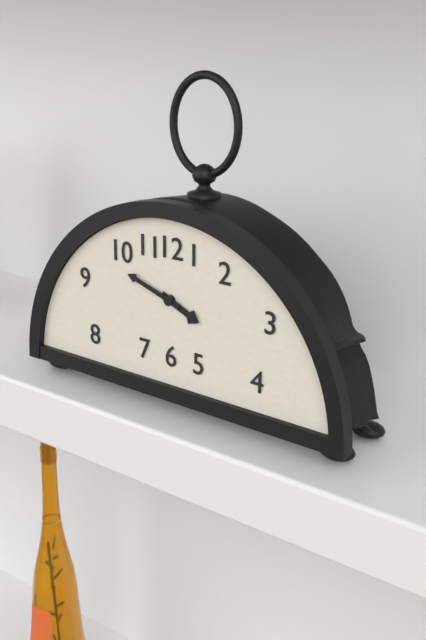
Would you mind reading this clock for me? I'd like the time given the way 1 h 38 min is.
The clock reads 3 h 48 min
